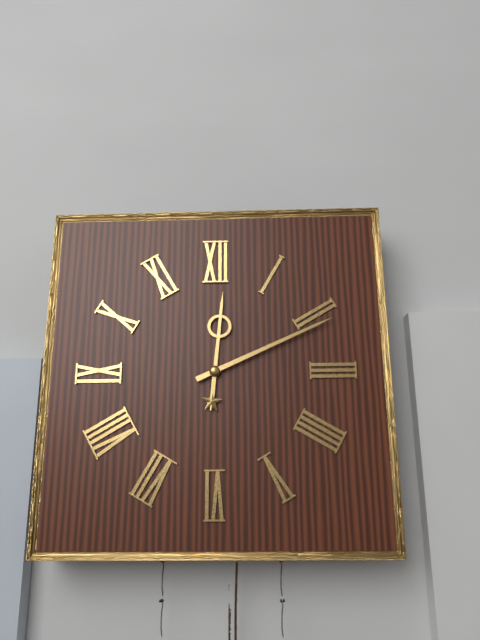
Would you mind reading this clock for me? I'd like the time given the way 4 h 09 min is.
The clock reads 12 h 11 min
